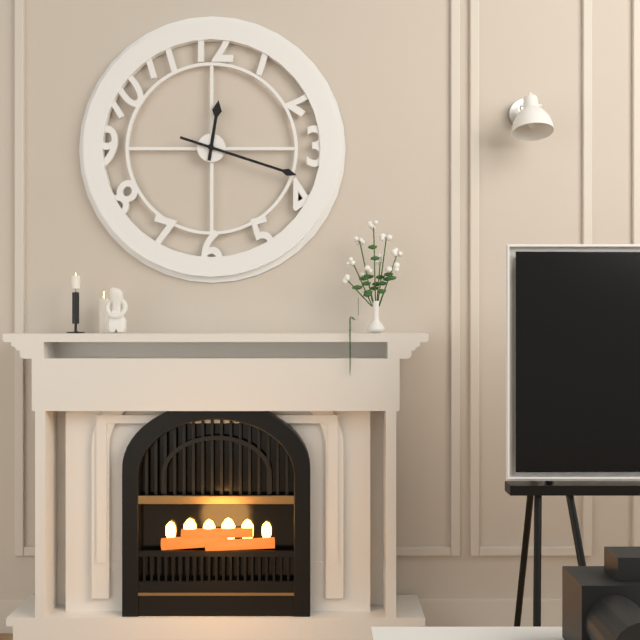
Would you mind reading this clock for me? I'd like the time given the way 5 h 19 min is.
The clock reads 12 h 18 min
